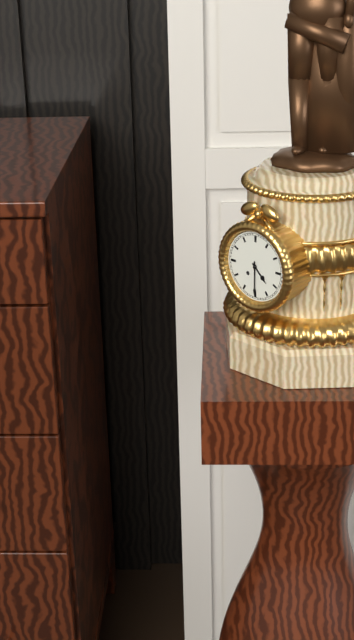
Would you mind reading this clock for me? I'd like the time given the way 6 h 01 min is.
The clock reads 4 h 30 min
